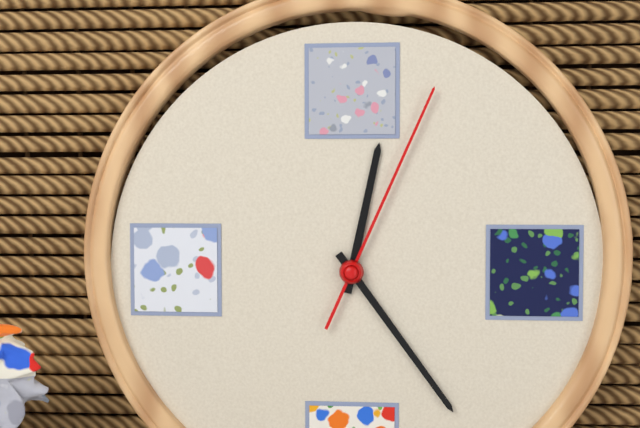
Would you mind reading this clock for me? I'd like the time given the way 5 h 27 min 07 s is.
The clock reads 12 h 24 min 04 s
